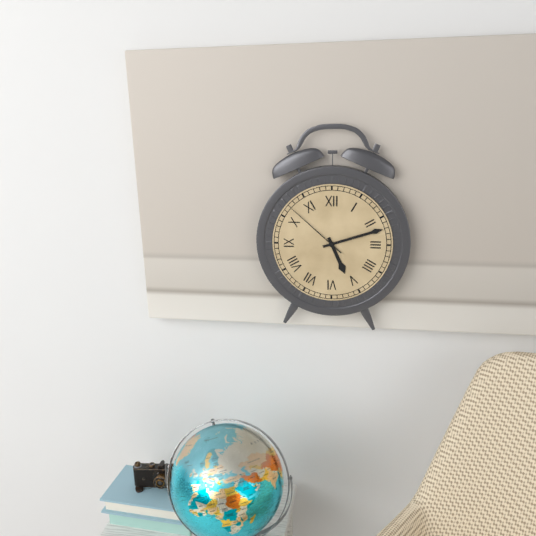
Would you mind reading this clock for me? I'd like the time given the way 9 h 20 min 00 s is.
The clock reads 5 h 12 min 52 s
